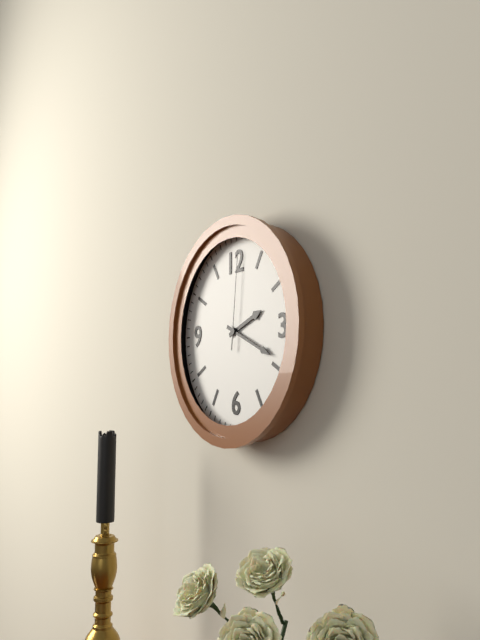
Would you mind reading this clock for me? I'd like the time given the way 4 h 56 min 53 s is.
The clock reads 2 h 19 min 01 s
